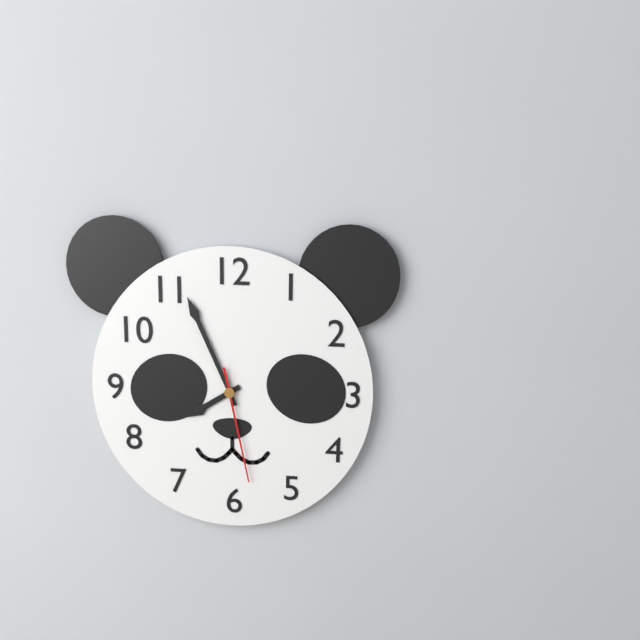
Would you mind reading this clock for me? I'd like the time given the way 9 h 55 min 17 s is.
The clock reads 7 h 56 min 28 s
